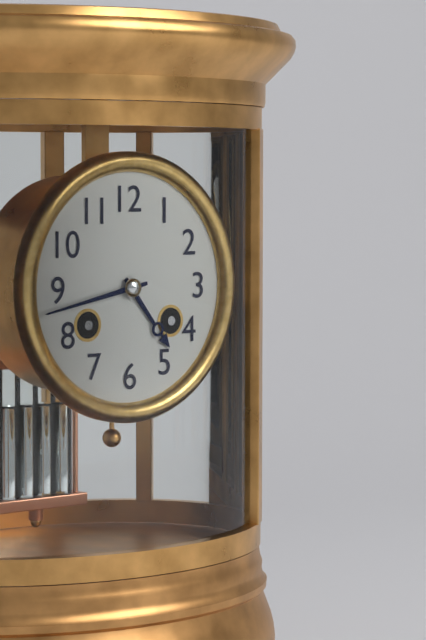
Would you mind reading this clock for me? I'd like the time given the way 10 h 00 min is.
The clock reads 4 h 43 min
